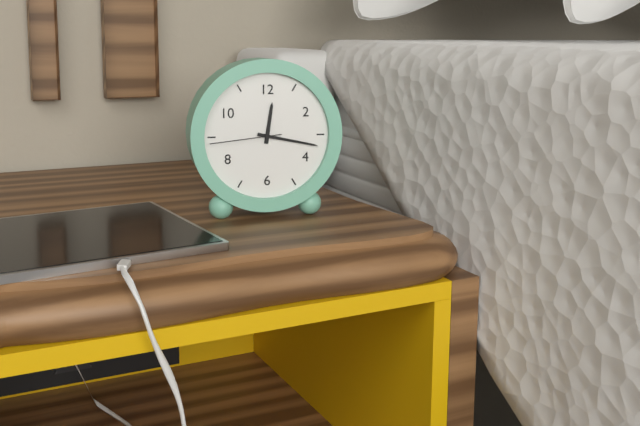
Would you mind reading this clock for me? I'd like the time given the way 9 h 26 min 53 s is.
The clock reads 12 h 17 min 44 s
